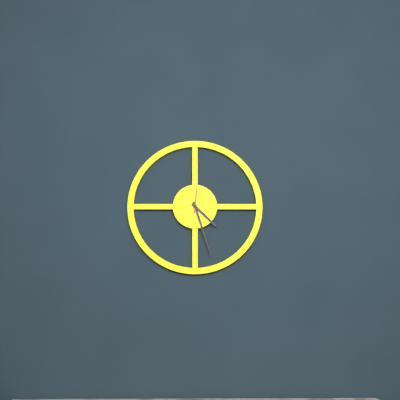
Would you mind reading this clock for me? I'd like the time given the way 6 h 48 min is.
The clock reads 4 h 27 min
